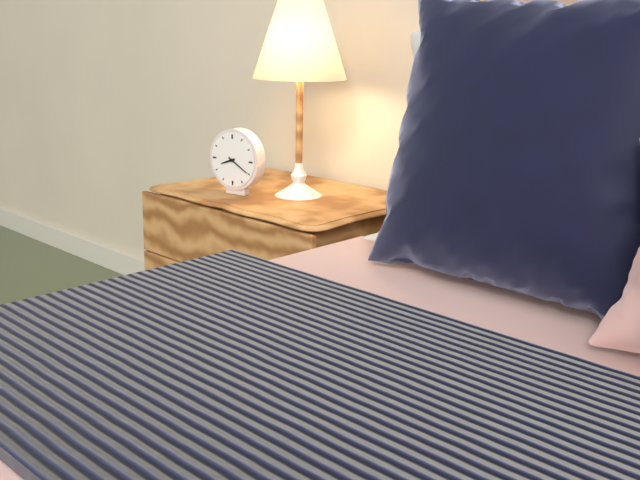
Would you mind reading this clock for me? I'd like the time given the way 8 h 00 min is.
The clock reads 8 h 20 min
